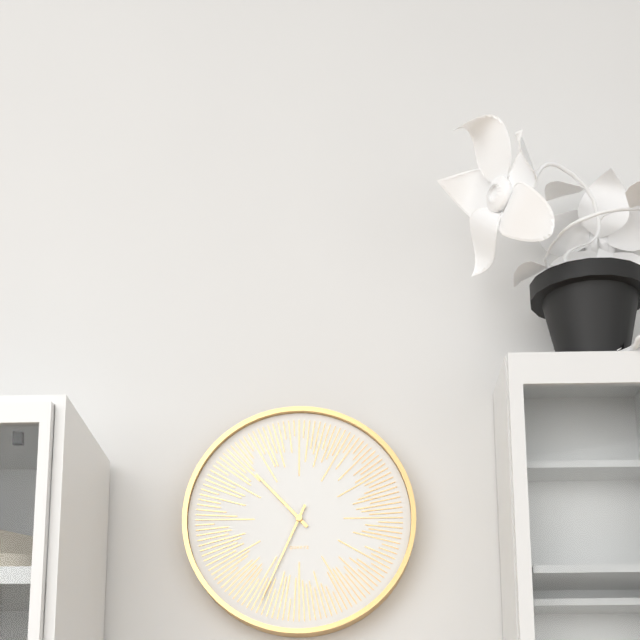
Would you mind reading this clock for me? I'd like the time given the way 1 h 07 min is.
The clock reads 10 h 34 min
